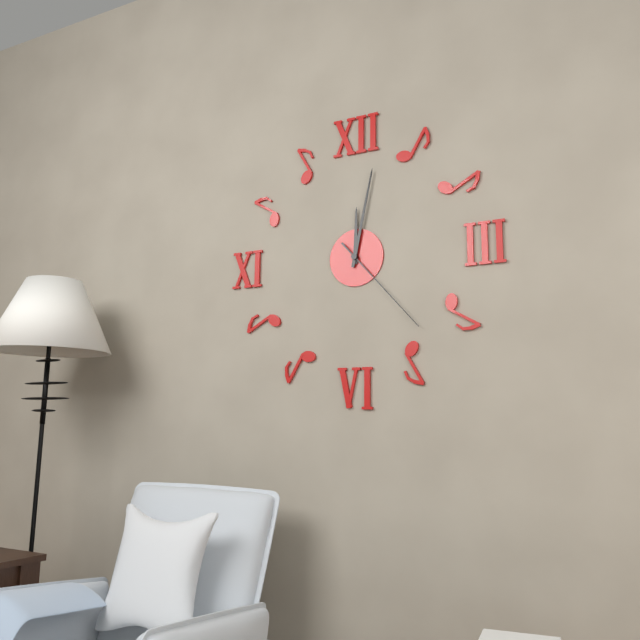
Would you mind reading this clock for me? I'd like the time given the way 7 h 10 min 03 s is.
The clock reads 12 h 02 min 23 s
